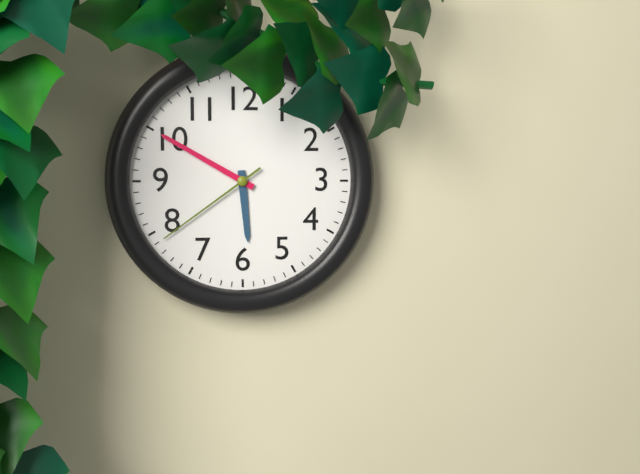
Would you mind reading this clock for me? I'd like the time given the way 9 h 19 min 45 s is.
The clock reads 5 h 50 min 39 s
